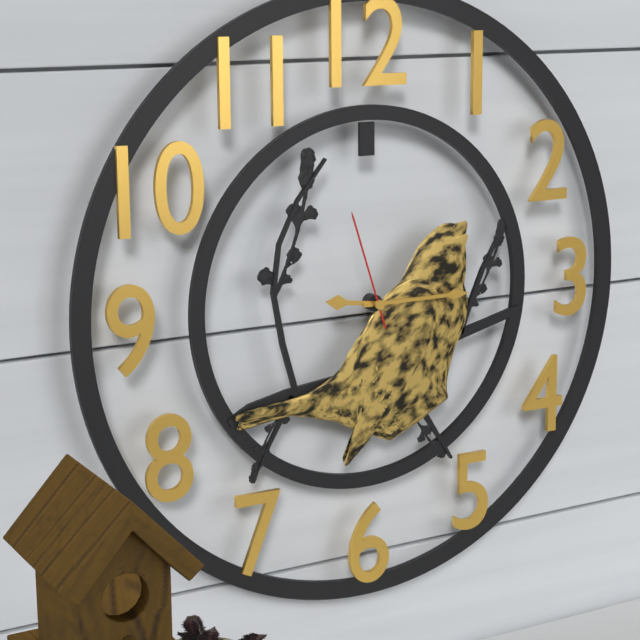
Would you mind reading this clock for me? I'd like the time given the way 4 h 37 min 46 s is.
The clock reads 9 h 15 min 57 s
